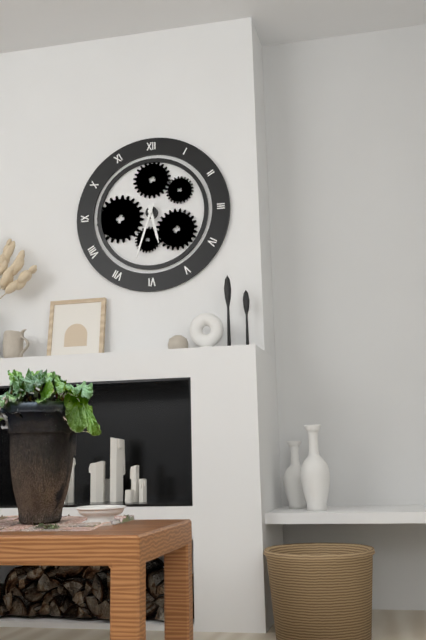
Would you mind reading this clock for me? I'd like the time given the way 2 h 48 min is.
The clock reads 5 h 33 min
